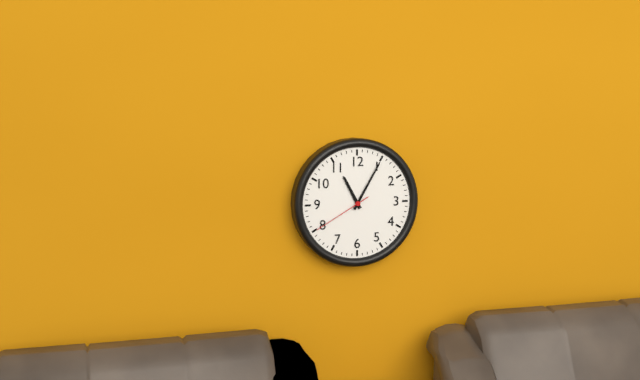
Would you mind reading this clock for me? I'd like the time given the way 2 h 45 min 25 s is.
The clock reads 11 h 05 min 40 s
